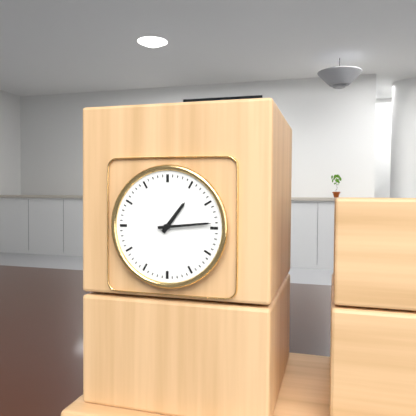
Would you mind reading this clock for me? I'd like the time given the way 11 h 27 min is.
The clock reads 1 h 14 min
